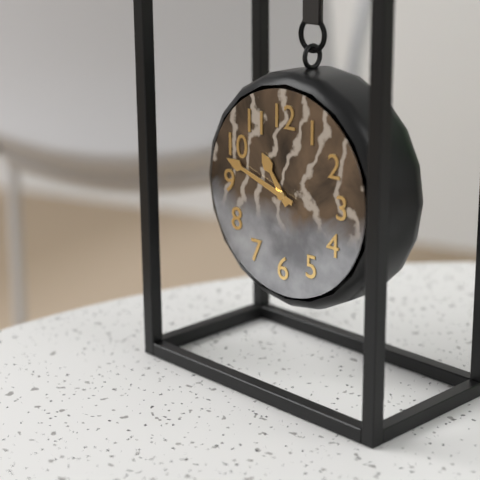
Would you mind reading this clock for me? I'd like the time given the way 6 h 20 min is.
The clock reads 10 h 48 min
